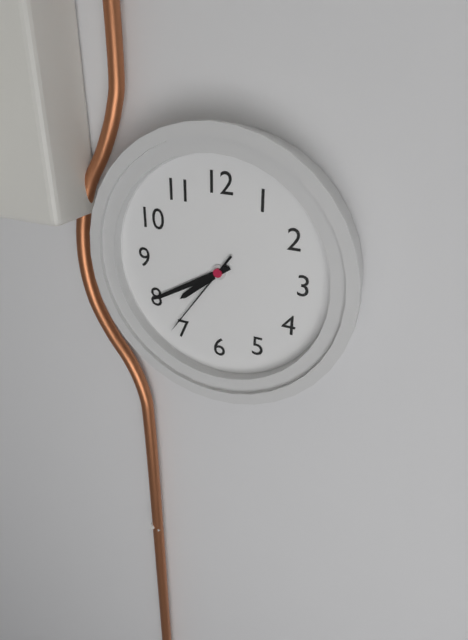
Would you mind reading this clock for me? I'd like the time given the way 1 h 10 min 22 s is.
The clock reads 7 h 40 min 36 s
